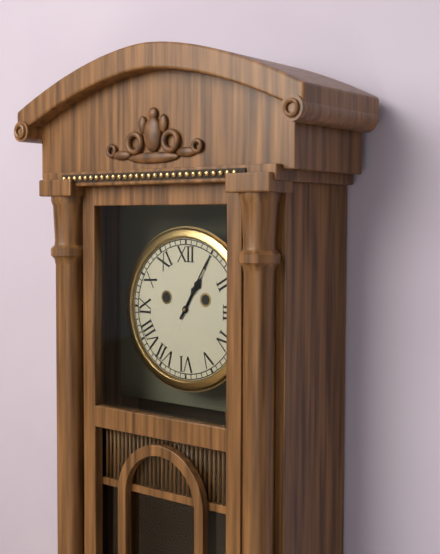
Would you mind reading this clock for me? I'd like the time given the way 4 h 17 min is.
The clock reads 1 h 05 min
